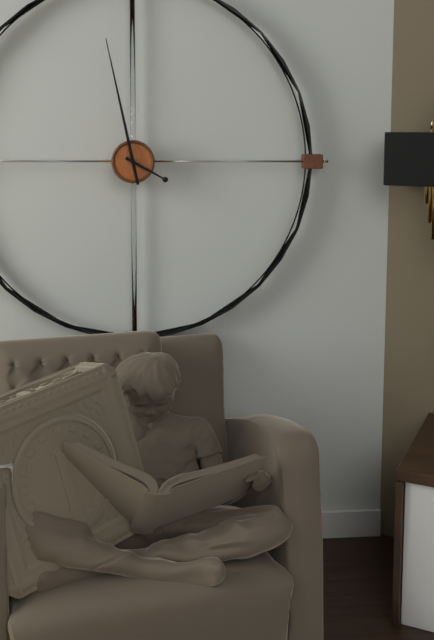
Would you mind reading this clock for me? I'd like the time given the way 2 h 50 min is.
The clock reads 3 h 58 min
